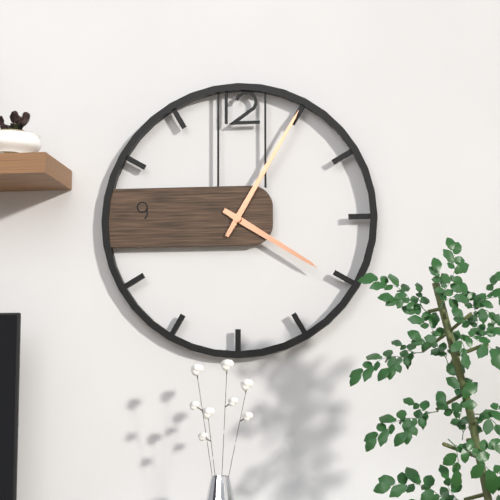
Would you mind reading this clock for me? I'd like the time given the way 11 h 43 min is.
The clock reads 4 h 05 min
